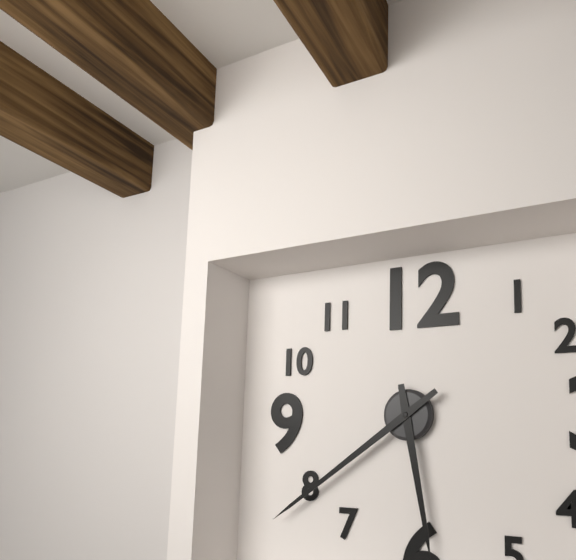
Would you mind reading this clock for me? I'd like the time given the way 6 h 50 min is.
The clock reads 5 h 39 min
